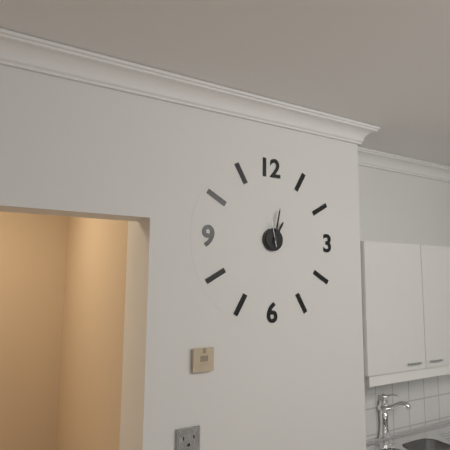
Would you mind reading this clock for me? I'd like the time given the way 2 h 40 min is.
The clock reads 1 h 02 min
